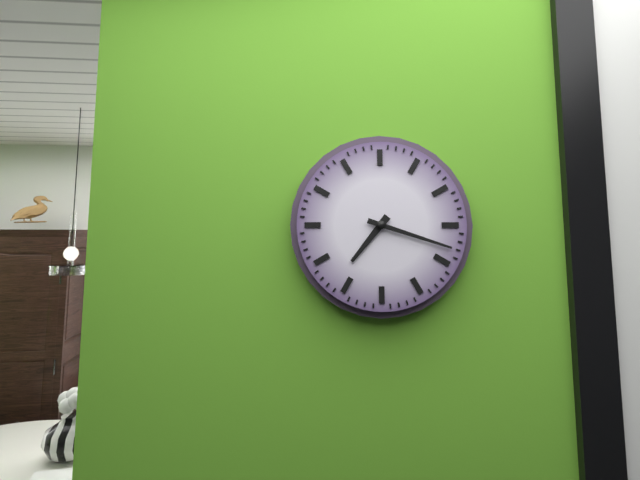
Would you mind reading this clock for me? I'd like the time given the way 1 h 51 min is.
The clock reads 7 h 18 min
